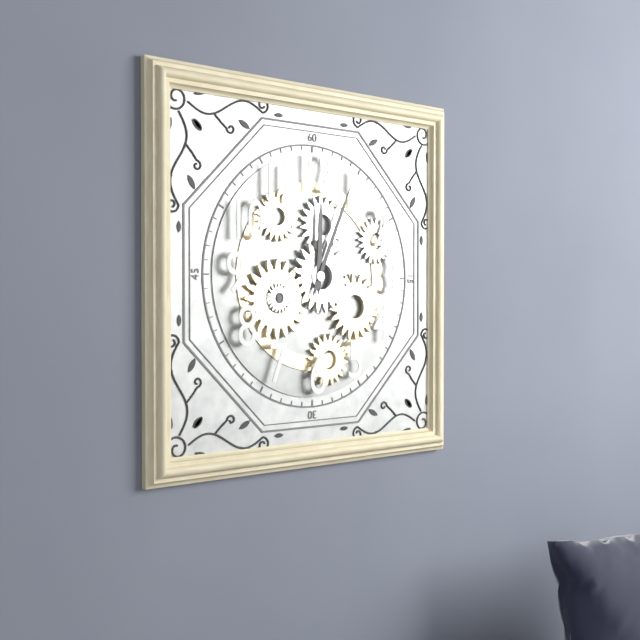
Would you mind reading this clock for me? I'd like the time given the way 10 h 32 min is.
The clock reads 12 h 04 min
